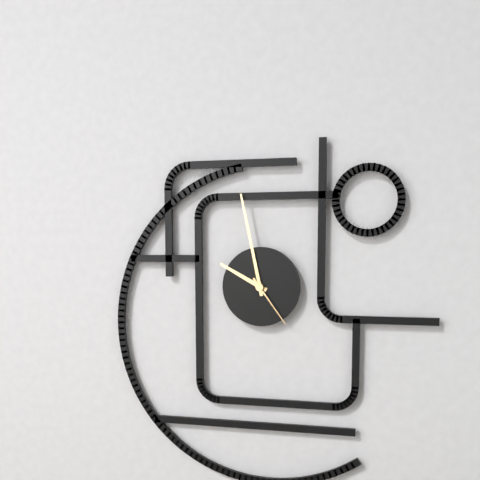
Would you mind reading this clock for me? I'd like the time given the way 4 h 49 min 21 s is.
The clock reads 9 h 58 min 24 s
